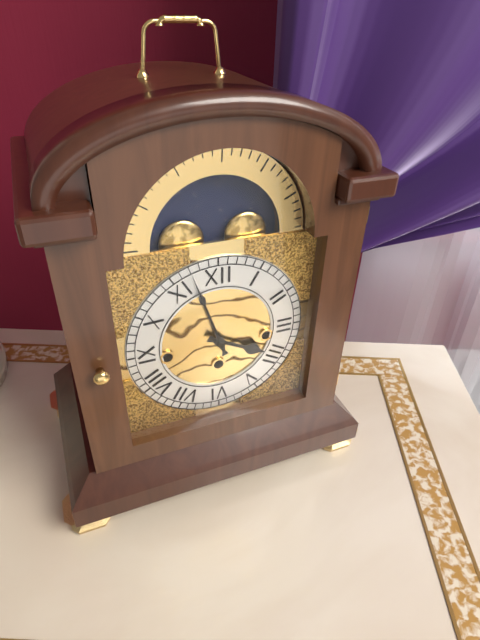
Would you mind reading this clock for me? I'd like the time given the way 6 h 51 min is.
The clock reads 3 h 57 min
